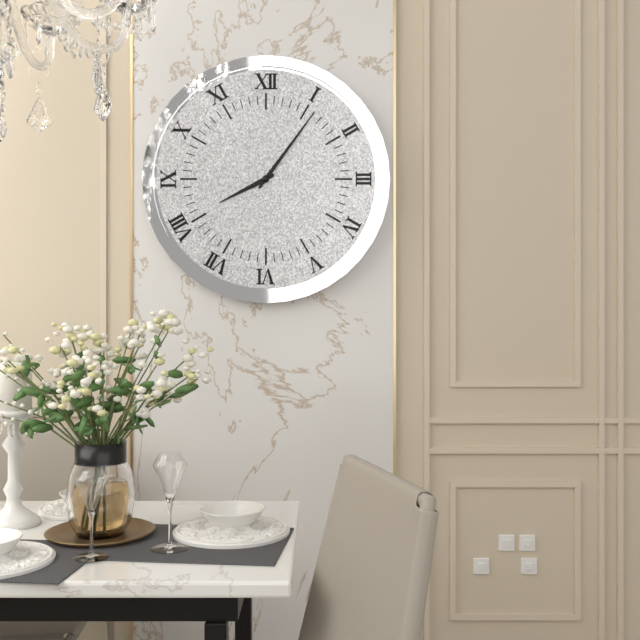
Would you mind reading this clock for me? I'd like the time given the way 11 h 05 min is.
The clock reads 8 h 06 min
